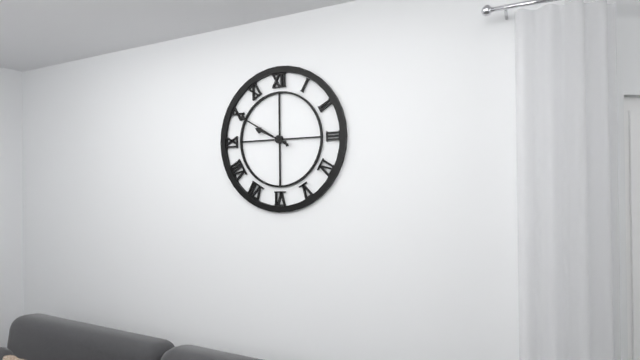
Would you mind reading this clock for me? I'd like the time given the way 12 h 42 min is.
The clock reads 9 h 50 min
